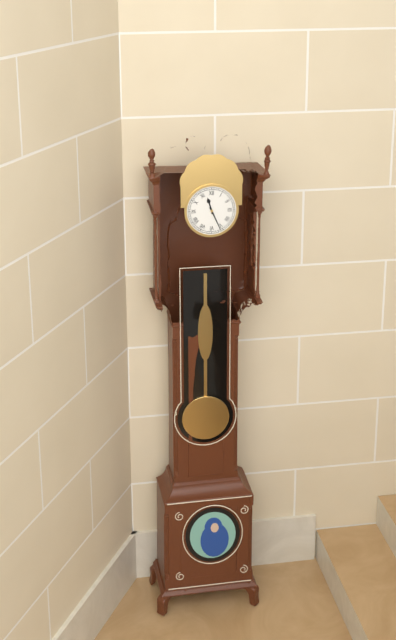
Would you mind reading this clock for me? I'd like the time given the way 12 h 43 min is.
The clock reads 11 h 26 min
